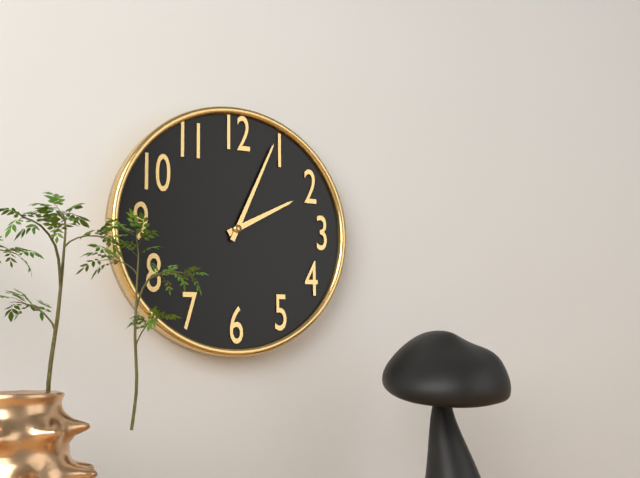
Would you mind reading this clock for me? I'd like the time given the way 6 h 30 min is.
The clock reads 2 h 04 min
